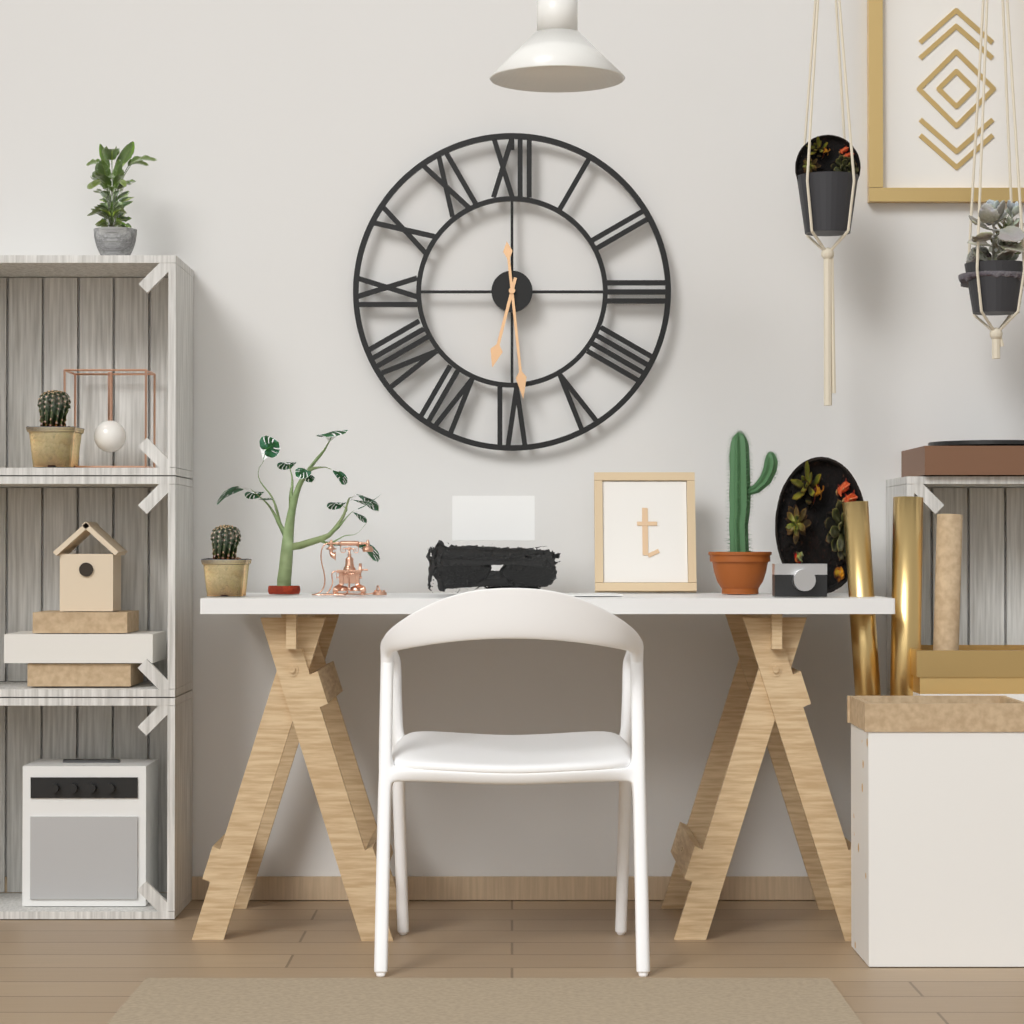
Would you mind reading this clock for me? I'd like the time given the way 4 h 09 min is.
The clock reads 6 h 29 min
